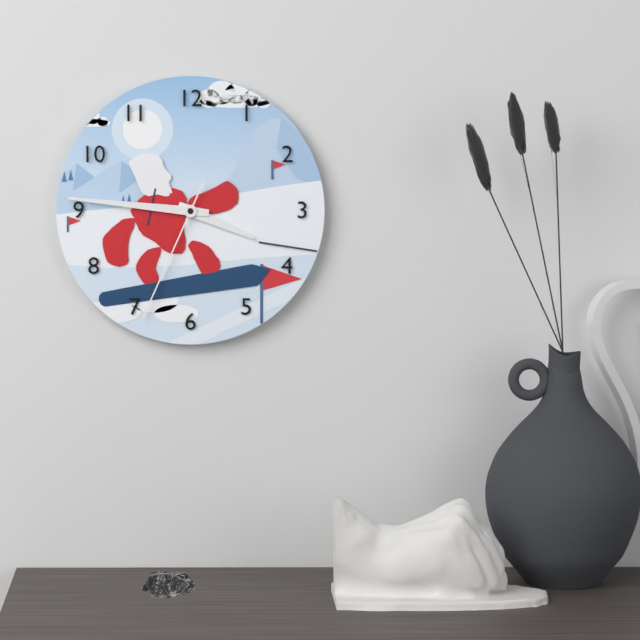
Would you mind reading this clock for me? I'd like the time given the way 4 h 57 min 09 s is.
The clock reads 3 h 46 min 34 s
